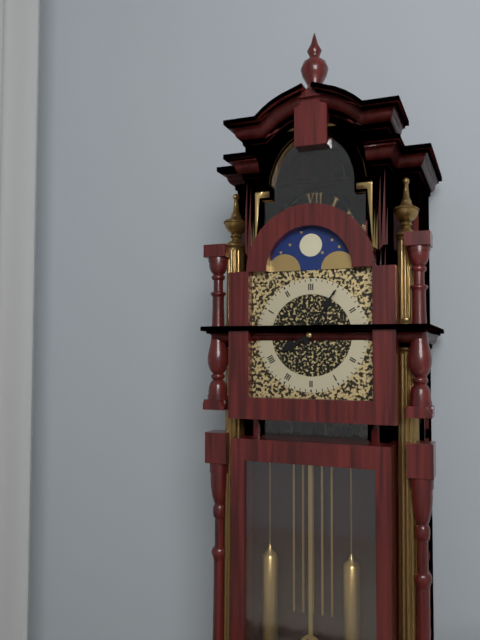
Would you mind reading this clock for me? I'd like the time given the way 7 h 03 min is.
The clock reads 8 h 05 min
